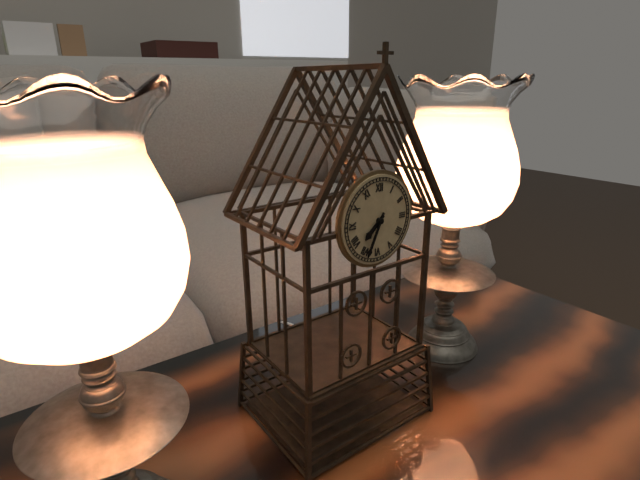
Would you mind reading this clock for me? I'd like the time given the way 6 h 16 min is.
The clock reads 7 h 34 min
